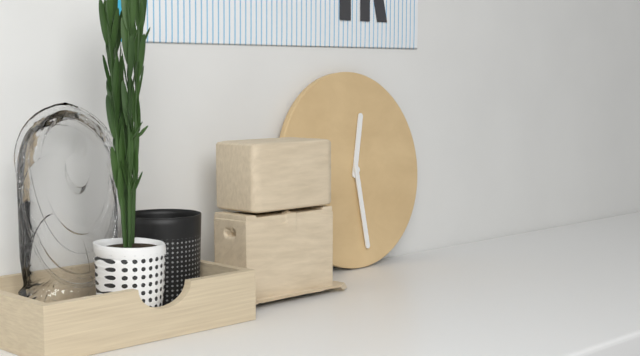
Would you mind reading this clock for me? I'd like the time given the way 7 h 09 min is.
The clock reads 12 h 29 min
